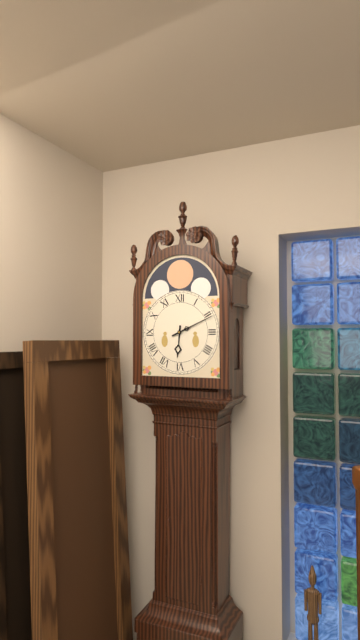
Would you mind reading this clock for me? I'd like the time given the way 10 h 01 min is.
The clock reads 6 h 11 min
